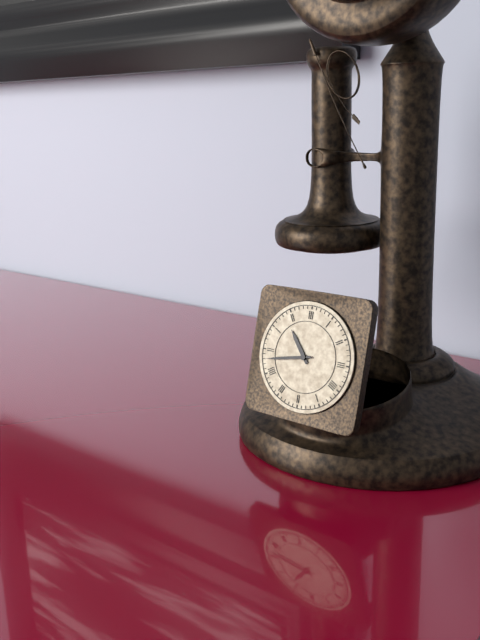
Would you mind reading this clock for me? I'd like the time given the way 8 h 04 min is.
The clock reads 10 h 43 min
